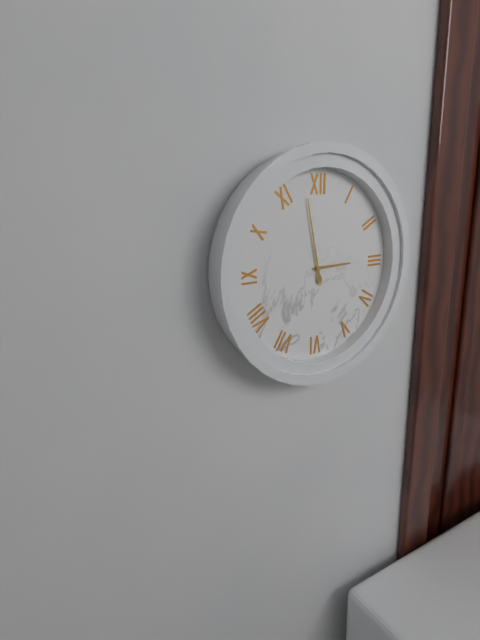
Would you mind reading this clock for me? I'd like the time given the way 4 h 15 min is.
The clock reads 2 h 58 min
